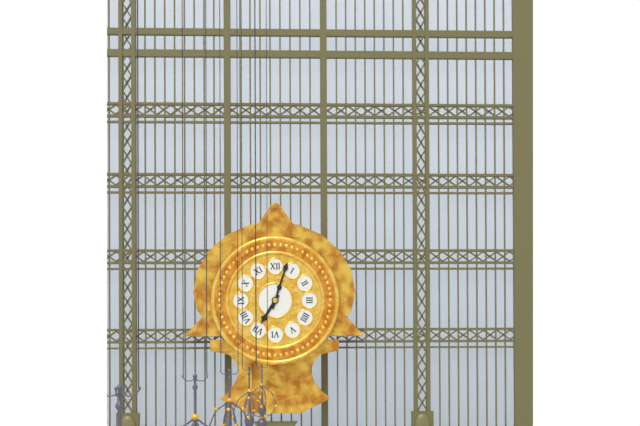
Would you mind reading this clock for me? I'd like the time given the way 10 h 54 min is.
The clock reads 7 h 03 min
